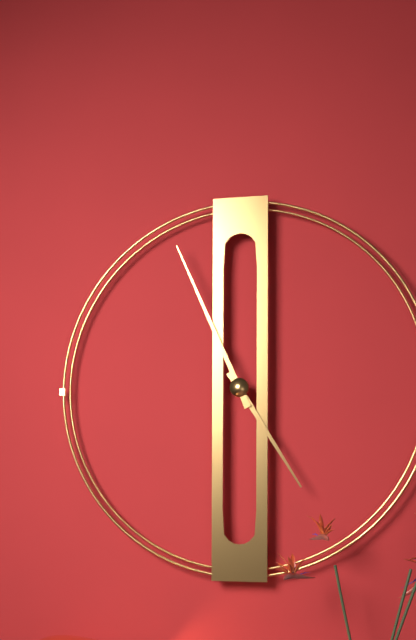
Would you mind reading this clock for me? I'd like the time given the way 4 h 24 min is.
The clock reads 4 h 56 min
